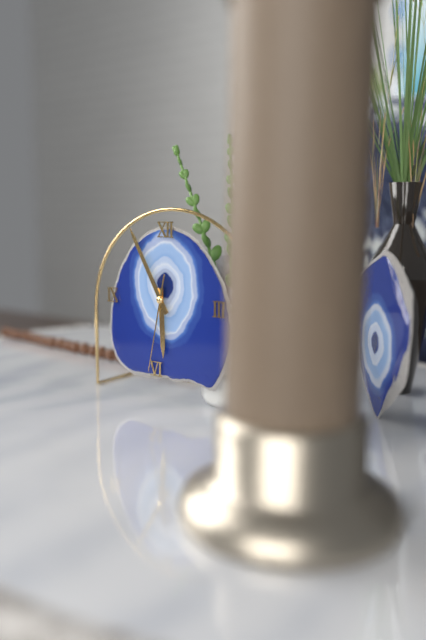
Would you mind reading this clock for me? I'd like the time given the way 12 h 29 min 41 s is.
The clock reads 5 h 55 min 32 s
